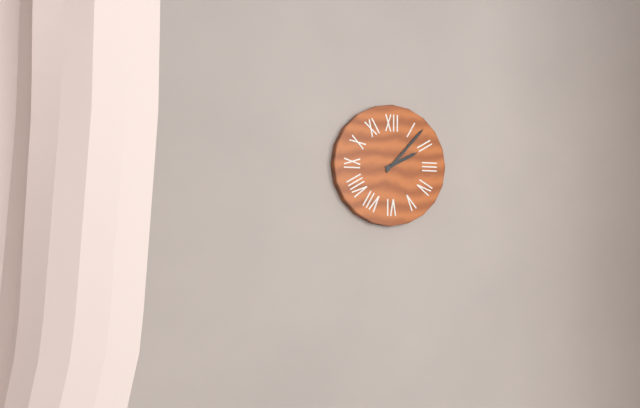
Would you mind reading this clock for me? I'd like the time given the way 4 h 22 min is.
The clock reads 2 h 07 min
